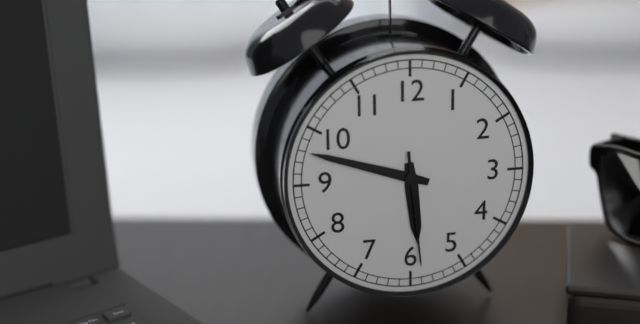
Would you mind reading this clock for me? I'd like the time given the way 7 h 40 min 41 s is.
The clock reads 5 h 48 min 29 s
